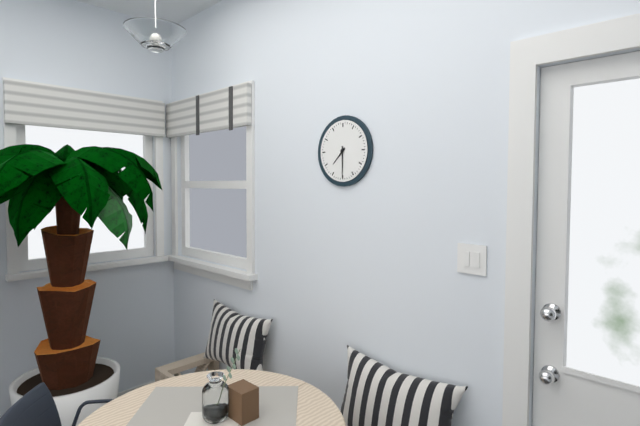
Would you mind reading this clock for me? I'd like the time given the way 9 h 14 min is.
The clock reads 7 h 30 min
